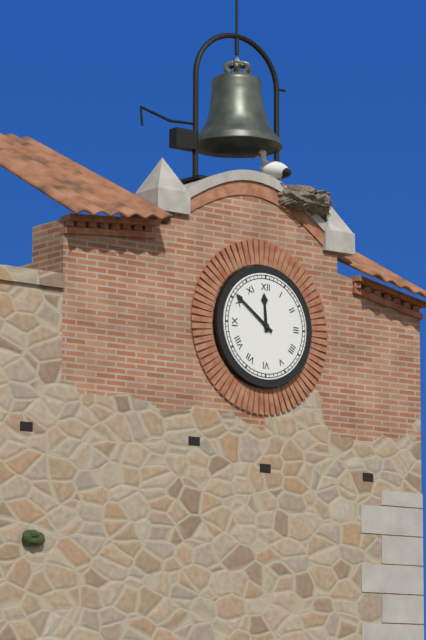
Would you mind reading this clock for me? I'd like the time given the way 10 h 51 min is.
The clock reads 11 h 51 min
